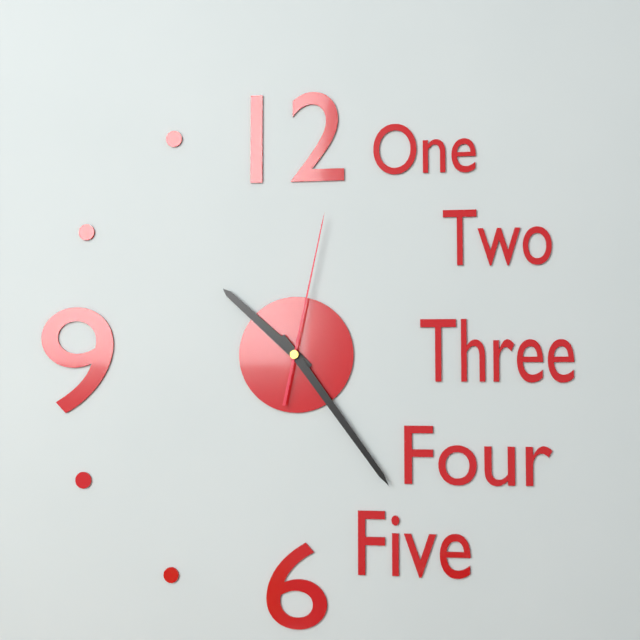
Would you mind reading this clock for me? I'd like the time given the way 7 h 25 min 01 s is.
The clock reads 10 h 24 min 02 s
